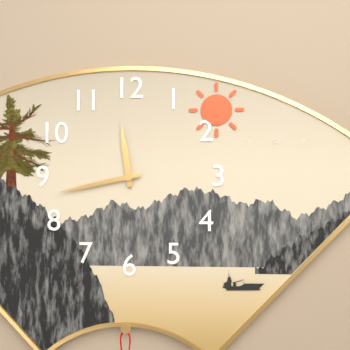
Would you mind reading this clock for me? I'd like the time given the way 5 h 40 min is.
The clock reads 11 h 43 min
